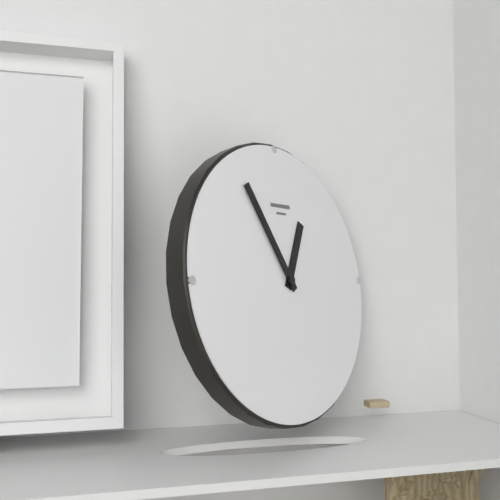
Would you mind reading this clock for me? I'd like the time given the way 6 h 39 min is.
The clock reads 12 h 55 min
